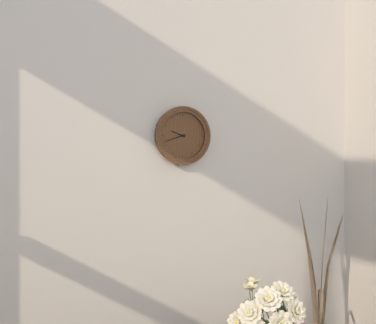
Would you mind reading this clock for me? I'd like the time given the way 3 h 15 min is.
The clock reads 9 h 42 min
